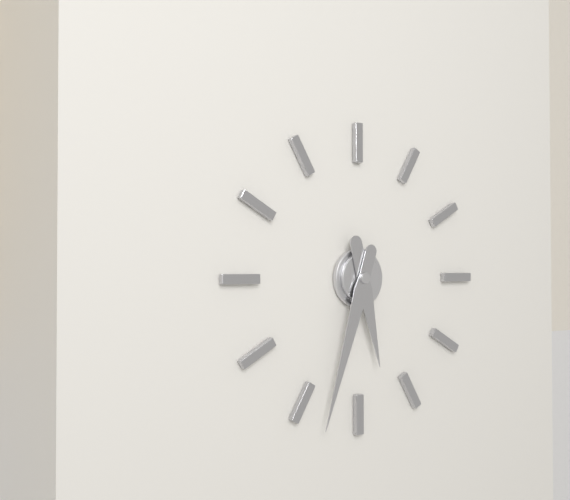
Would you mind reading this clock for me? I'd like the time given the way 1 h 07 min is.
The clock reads 5 h 33 min
